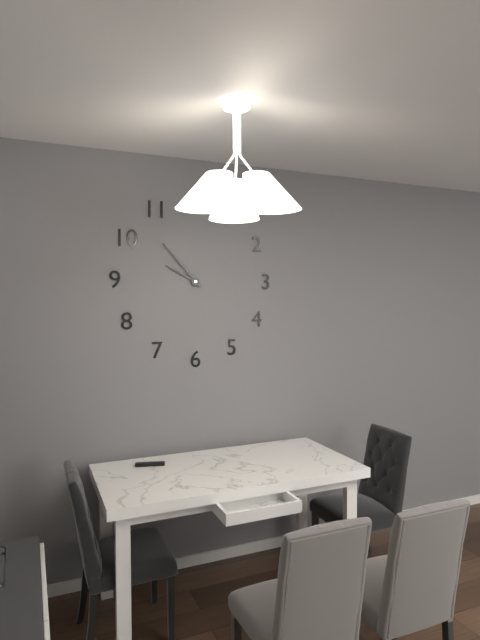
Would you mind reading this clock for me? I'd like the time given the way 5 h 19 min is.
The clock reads 9 h 53 min
